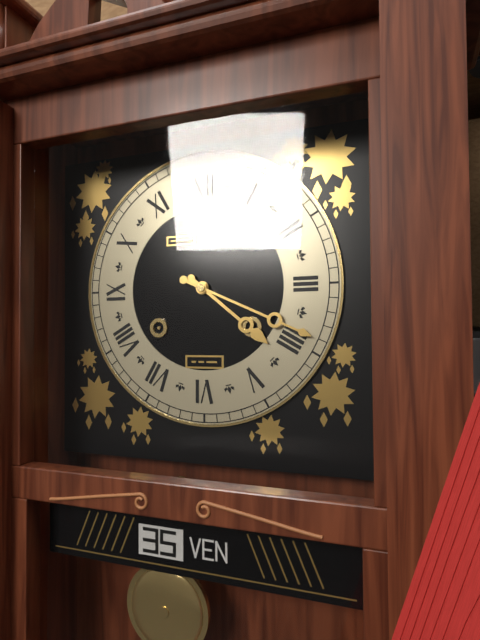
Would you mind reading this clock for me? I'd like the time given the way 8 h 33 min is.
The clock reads 4 h 19 min
